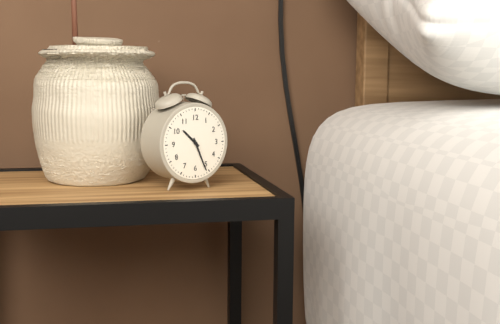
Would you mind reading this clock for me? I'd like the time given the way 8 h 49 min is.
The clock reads 10 h 26 min
